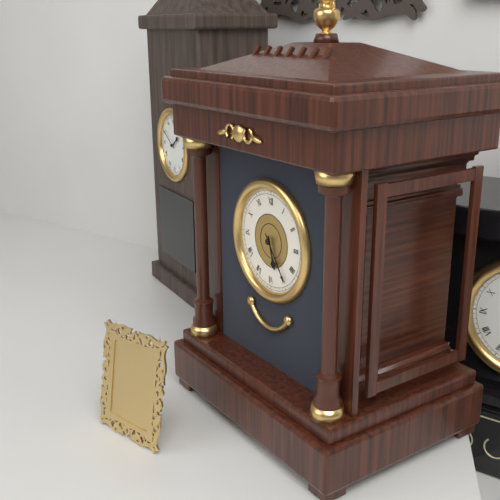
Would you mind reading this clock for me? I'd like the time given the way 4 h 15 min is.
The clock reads 5 h 24 min
